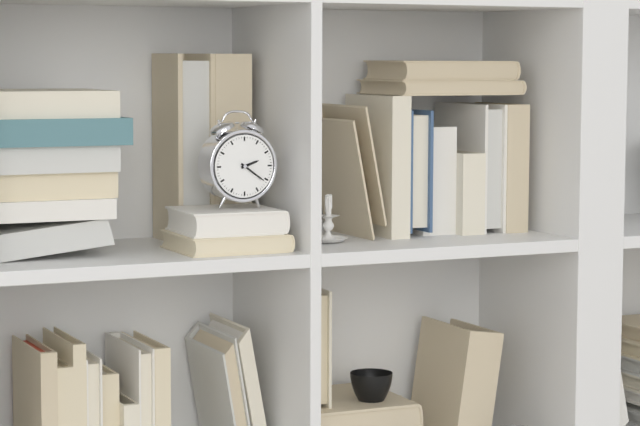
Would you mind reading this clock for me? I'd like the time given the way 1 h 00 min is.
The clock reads 2 h 21 min
